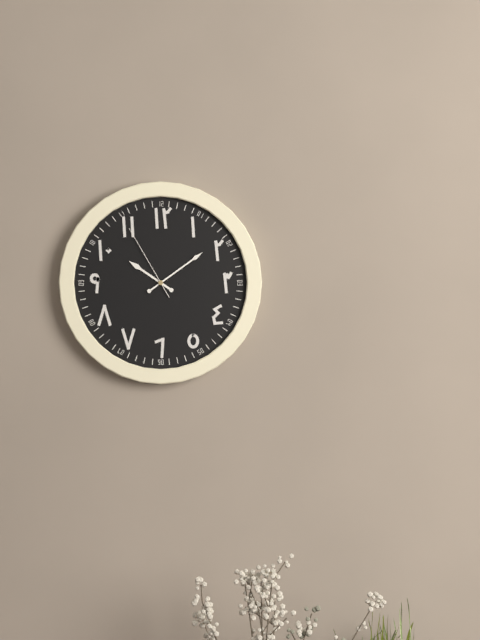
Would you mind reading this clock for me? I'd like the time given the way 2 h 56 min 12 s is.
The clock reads 10 h 09 min 55 s
